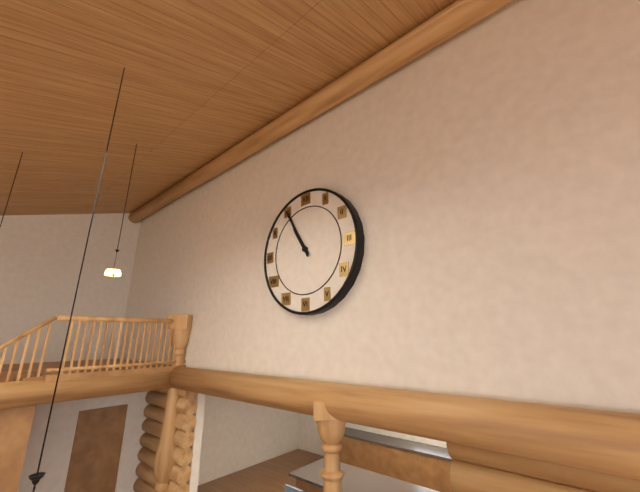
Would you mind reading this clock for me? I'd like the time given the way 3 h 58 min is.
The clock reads 10 h 55 min
